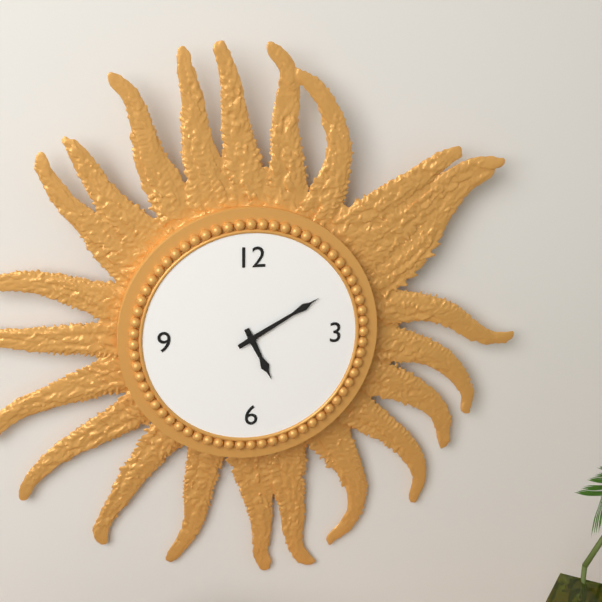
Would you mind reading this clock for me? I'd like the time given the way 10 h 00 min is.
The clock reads 5 h 10 min
